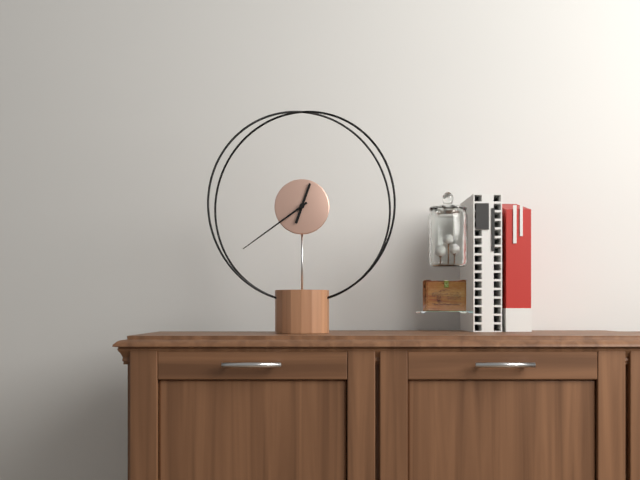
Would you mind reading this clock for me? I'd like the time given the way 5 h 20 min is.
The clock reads 12 h 39 min
